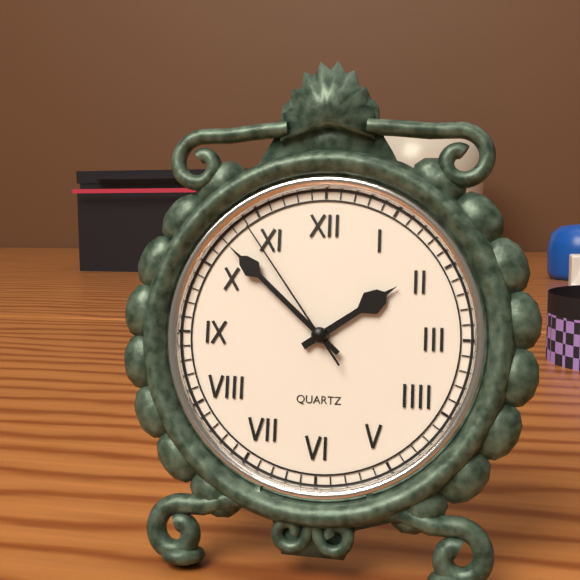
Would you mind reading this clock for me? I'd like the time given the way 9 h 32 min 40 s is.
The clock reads 1 h 52 min 54 s
